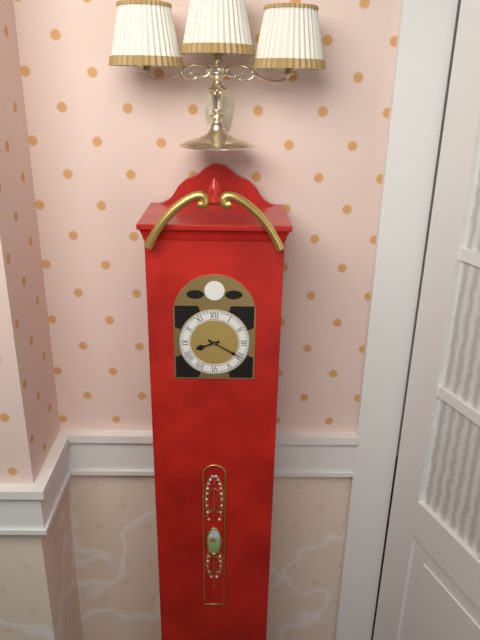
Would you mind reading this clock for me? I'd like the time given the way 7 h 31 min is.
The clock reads 8 h 20 min
